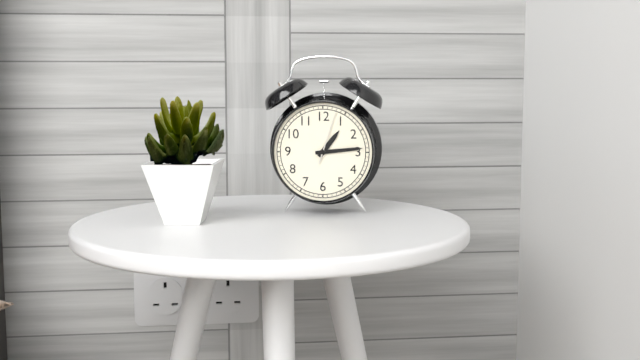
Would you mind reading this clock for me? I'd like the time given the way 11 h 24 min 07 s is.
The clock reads 1 h 14 min 03 s
